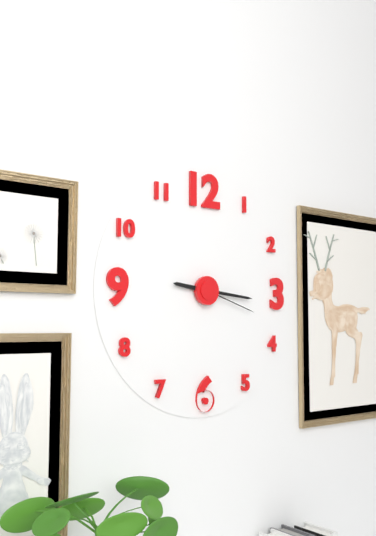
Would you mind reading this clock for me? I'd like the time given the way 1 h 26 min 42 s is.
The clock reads 9 h 16 min 18 s
